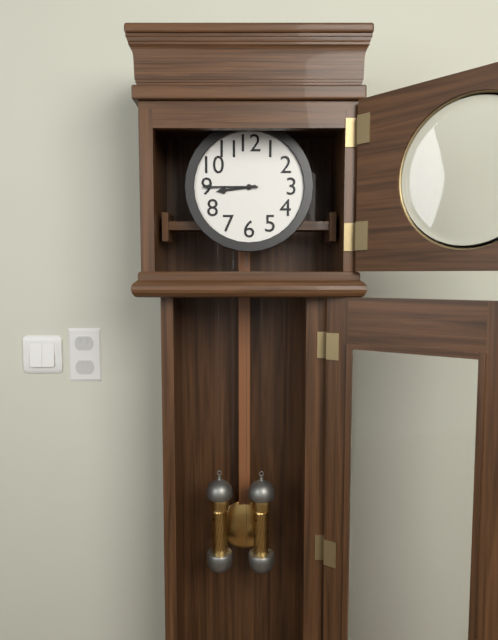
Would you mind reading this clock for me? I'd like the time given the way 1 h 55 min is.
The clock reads 8 h 45 min
